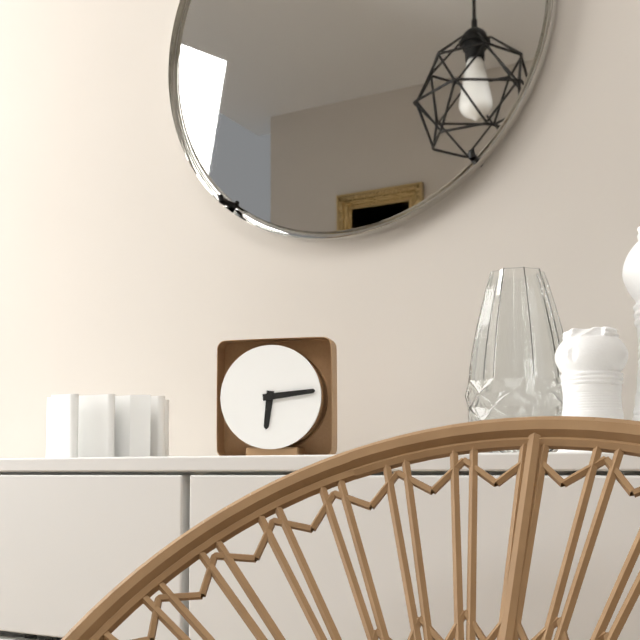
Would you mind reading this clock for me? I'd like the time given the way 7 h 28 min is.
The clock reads 6 h 14 min
